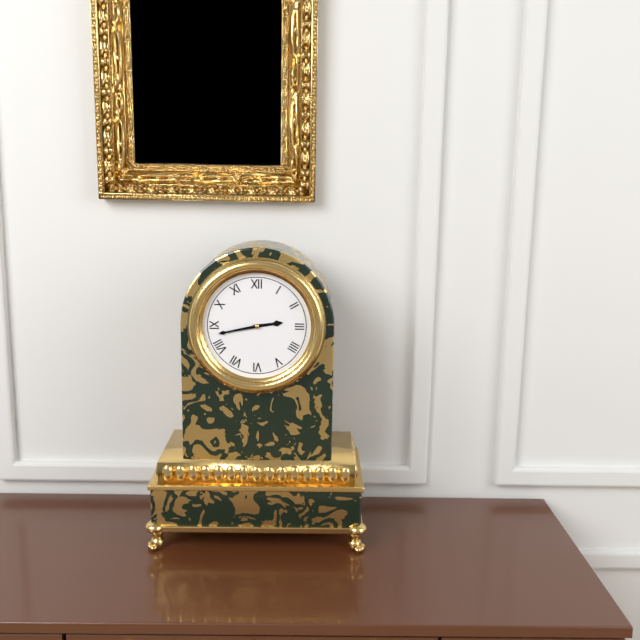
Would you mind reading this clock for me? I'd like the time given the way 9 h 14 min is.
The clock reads 2 h 43 min
